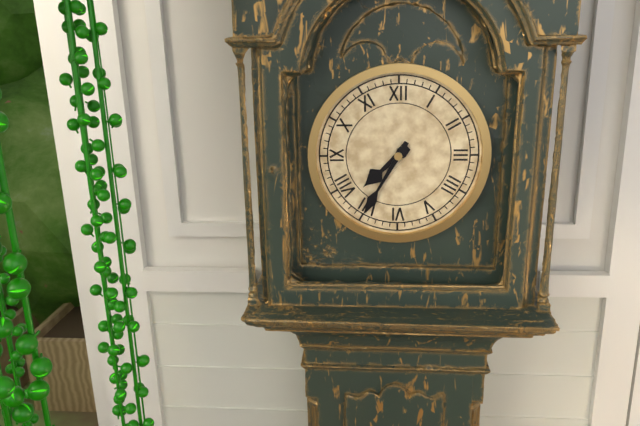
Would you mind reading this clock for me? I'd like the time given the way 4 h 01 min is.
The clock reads 7 h 35 min
